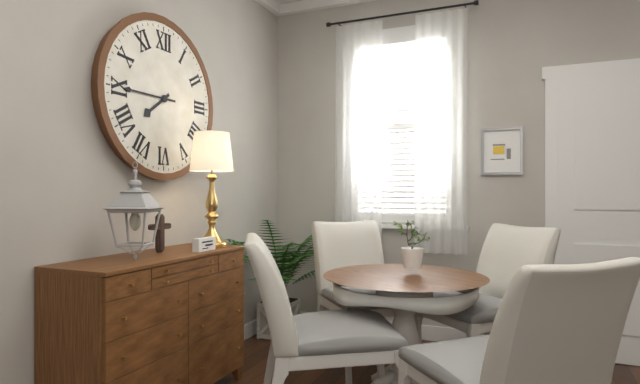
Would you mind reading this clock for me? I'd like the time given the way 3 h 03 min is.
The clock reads 7 h 45 min
